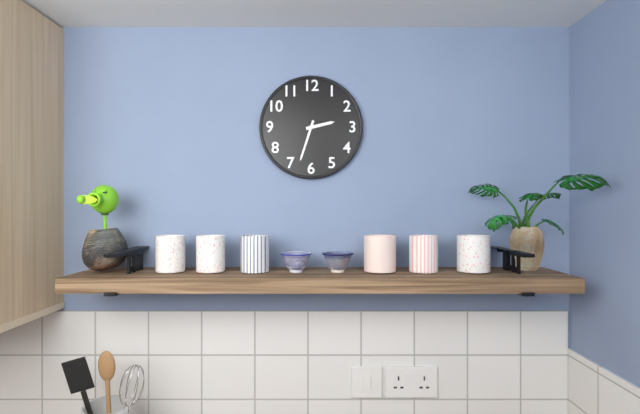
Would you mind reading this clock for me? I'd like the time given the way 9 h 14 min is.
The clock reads 2 h 33 min
